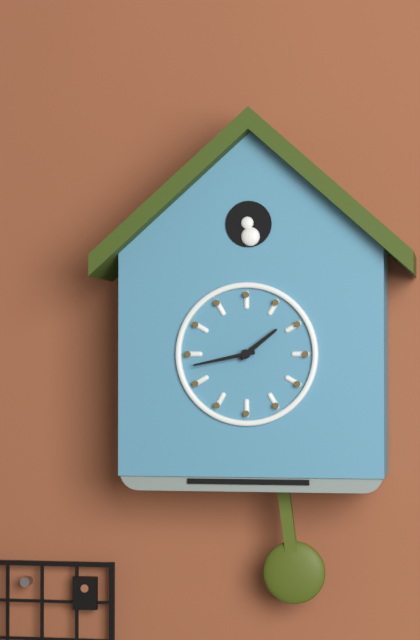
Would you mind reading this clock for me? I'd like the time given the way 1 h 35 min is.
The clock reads 1 h 43 min
